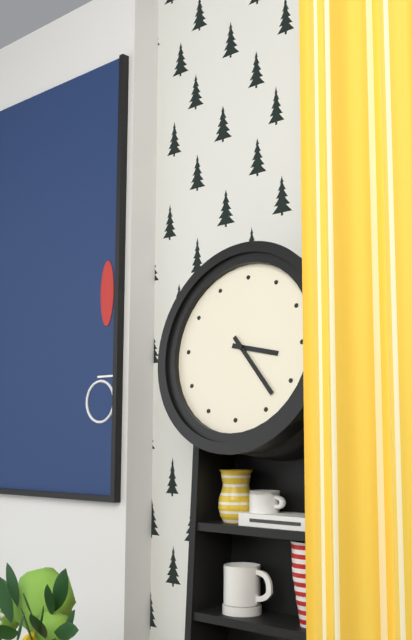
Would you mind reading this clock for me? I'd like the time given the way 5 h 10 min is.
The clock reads 3 h 23 min
